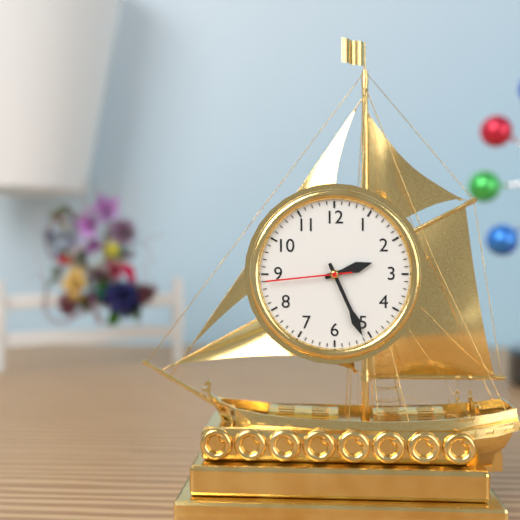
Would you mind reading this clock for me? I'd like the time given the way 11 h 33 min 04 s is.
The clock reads 2 h 26 min 44 s
